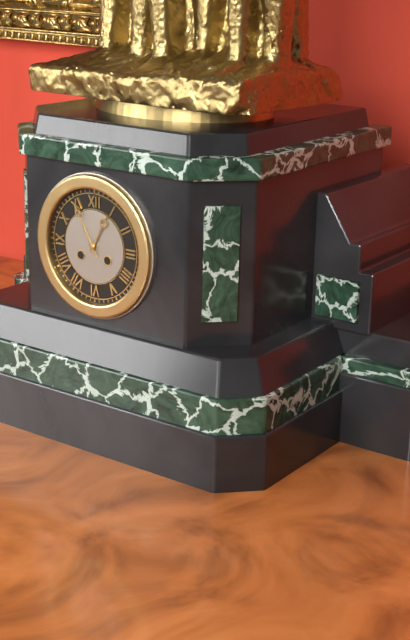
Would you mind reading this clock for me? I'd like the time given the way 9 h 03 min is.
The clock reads 12 h 55 min
